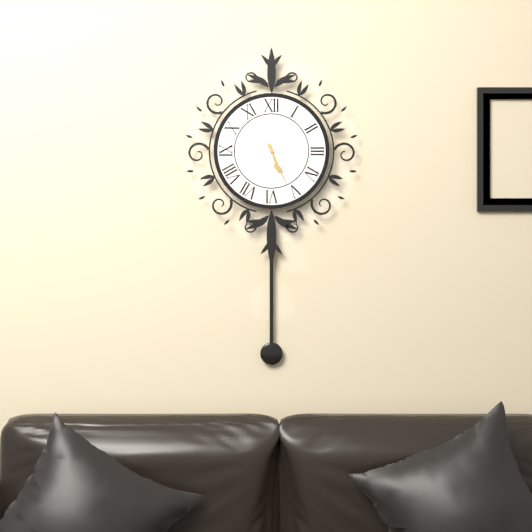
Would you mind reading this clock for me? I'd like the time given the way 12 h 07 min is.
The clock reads 5 h 26 min
